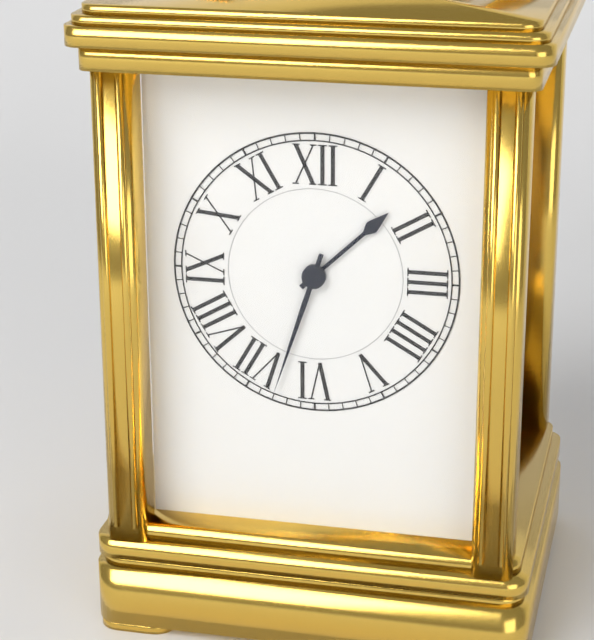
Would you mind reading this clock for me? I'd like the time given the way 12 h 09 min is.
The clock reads 1 h 33 min
